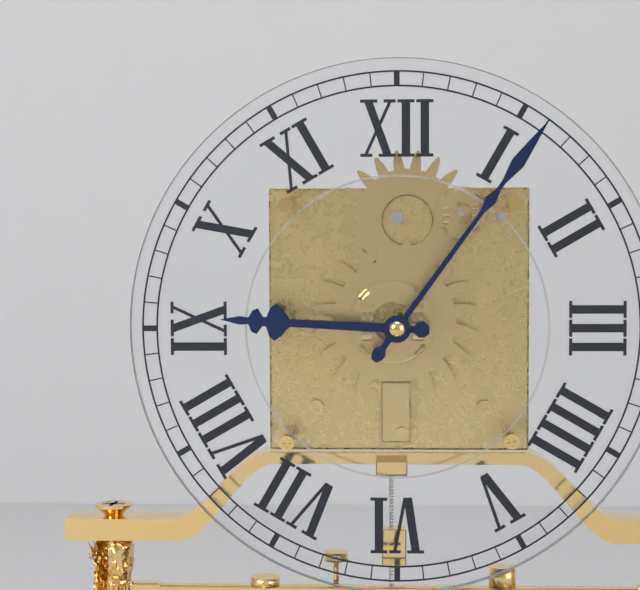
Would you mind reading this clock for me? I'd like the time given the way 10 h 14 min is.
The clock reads 9 h 06 min
